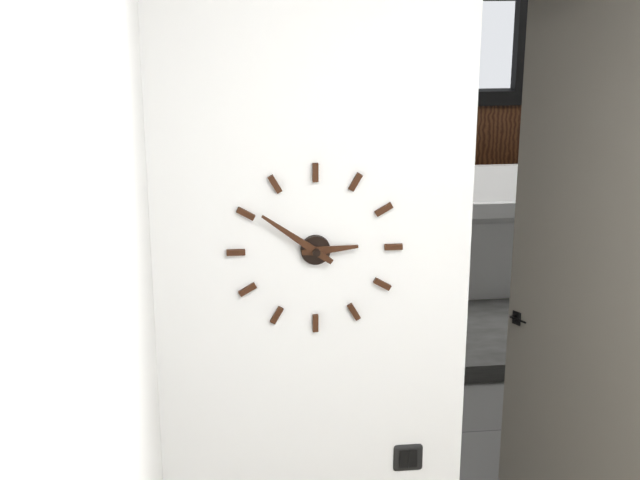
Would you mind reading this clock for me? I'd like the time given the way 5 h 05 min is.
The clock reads 2 h 51 min
